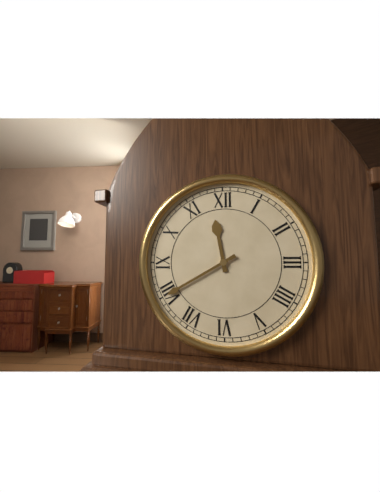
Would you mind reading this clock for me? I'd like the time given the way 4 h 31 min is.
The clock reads 11 h 40 min
